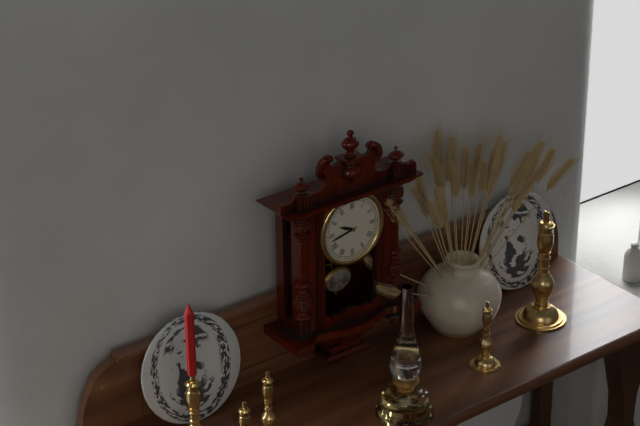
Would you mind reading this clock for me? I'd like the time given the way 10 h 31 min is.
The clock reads 9 h 43 min
